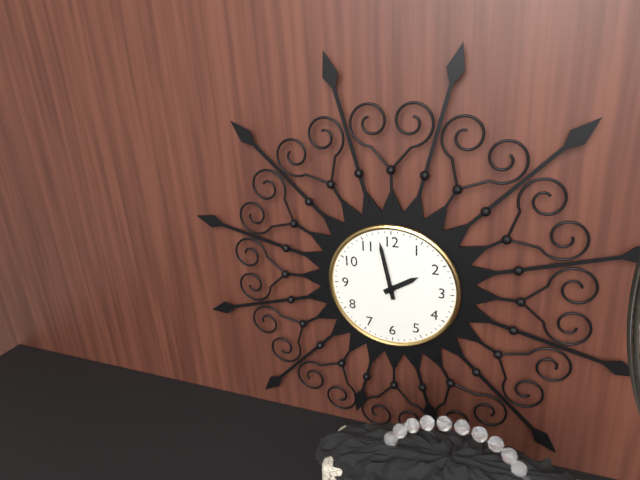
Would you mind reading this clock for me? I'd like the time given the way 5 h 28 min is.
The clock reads 1 h 58 min
